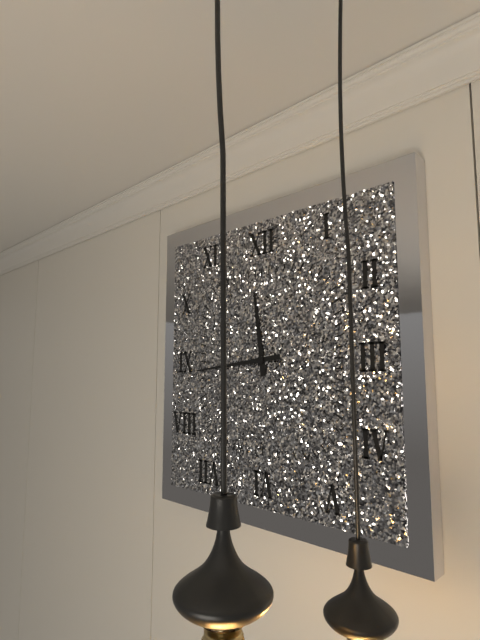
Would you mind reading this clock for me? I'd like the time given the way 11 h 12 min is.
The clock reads 11 h 44 min
